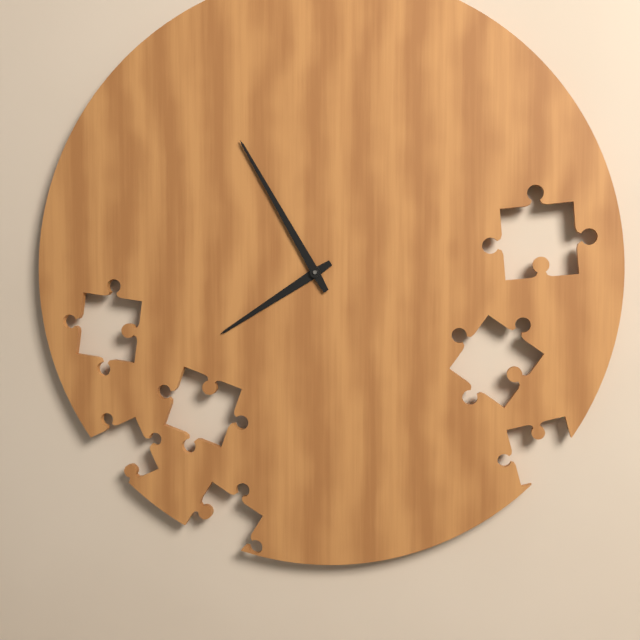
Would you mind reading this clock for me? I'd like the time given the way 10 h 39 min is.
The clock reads 7 h 55 min
